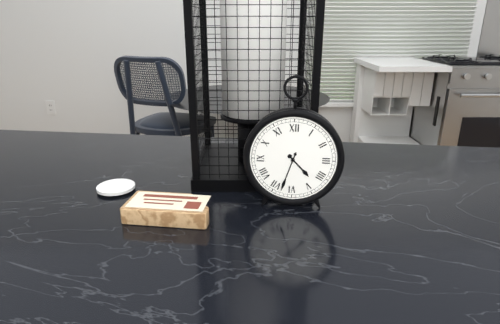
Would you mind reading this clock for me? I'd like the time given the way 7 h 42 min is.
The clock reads 4 h 33 min
